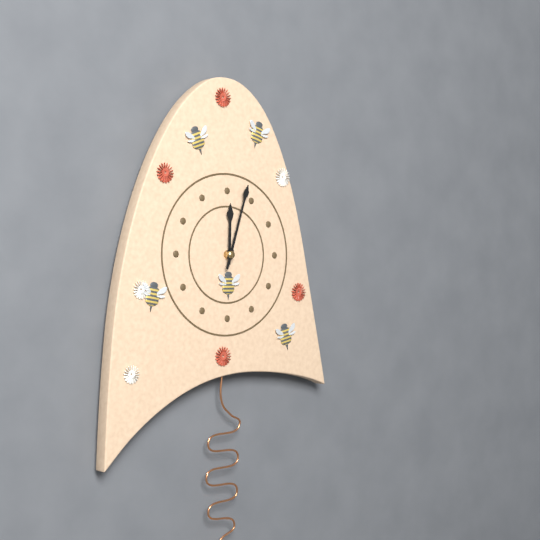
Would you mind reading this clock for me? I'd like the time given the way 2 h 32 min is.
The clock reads 12 h 03 min
